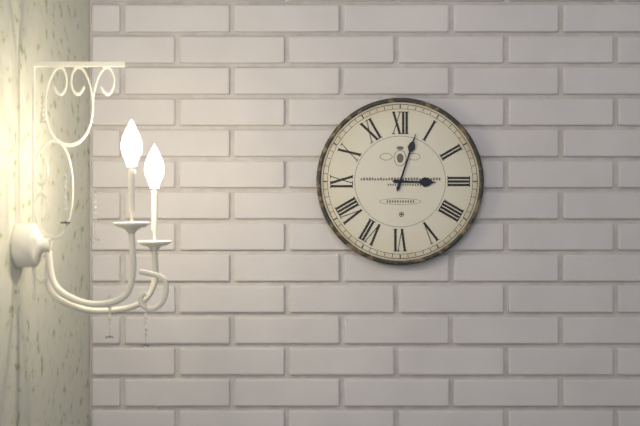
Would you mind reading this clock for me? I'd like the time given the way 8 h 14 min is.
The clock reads 3 h 03 min
